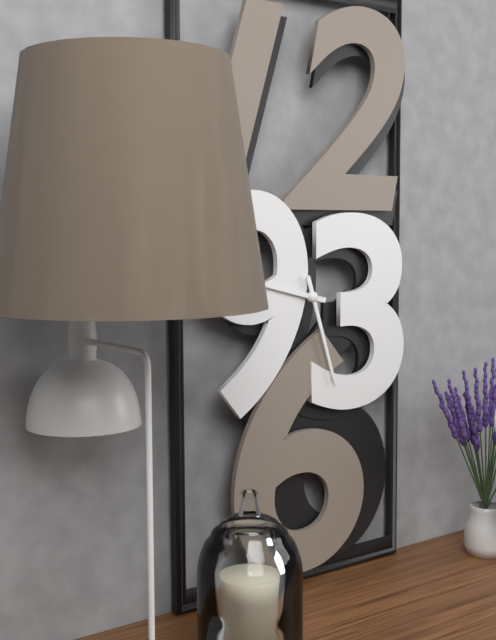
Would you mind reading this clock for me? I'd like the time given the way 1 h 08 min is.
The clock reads 9 h 27 min
